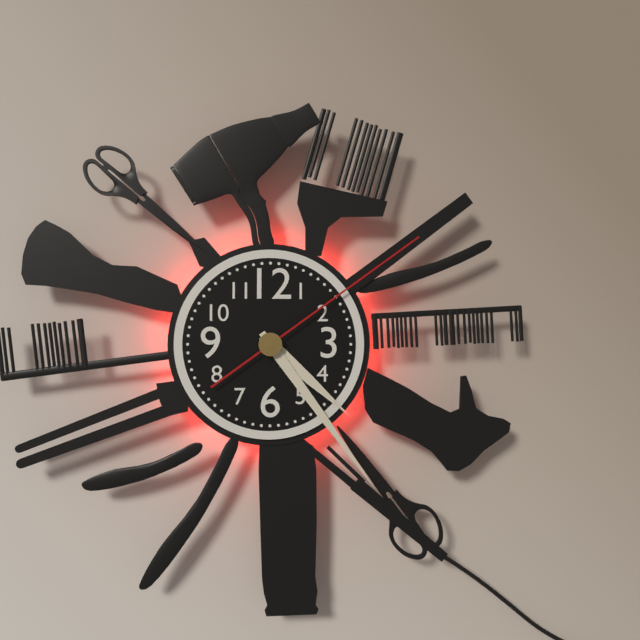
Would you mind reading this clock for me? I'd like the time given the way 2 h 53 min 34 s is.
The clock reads 4 h 24 min 09 s
